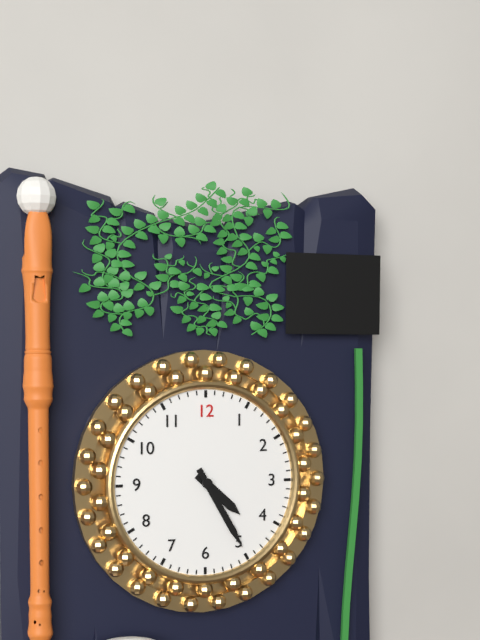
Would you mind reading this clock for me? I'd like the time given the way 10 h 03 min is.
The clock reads 4 h 25 min
